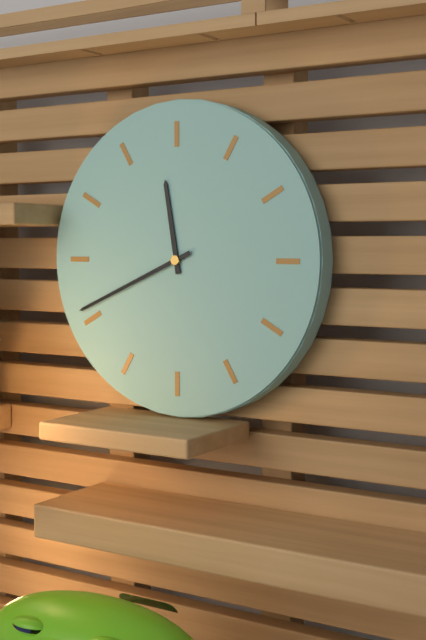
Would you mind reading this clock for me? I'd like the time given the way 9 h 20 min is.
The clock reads 11 h 41 min
